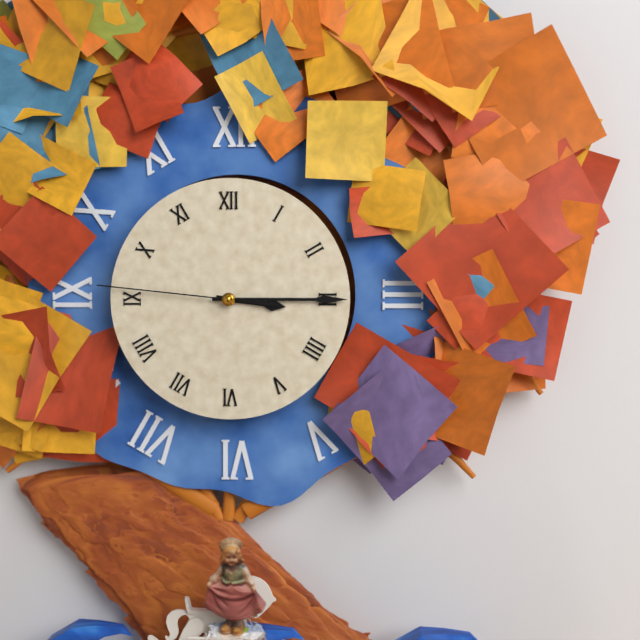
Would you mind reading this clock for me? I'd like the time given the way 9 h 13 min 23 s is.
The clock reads 3 h 15 min 46 s
